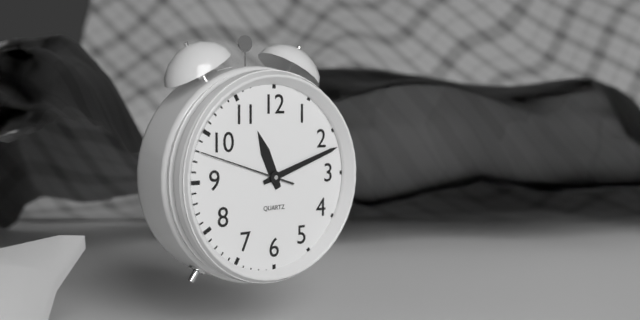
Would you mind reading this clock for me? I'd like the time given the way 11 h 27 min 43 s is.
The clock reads 11 h 12 min 48 s
